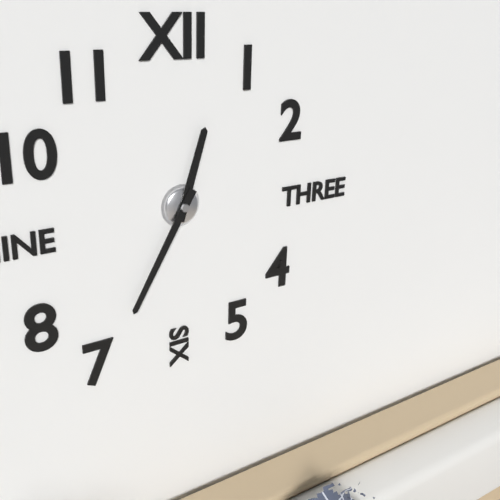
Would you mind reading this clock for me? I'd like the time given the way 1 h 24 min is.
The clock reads 12 h 35 min
